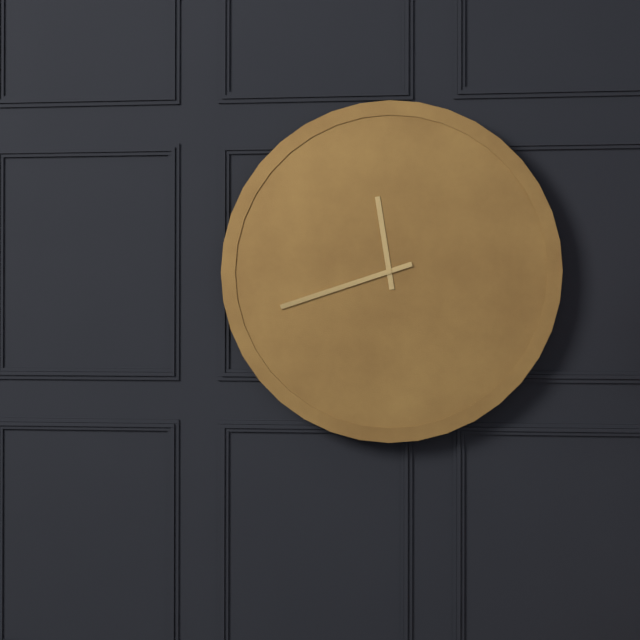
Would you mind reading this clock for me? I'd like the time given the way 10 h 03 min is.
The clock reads 11 h 42 min
